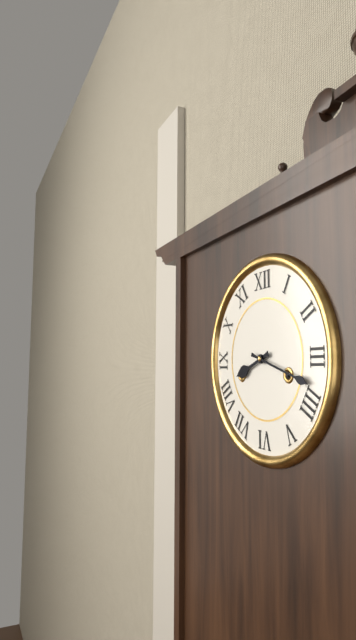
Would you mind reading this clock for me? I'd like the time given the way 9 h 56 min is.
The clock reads 8 h 18 min
